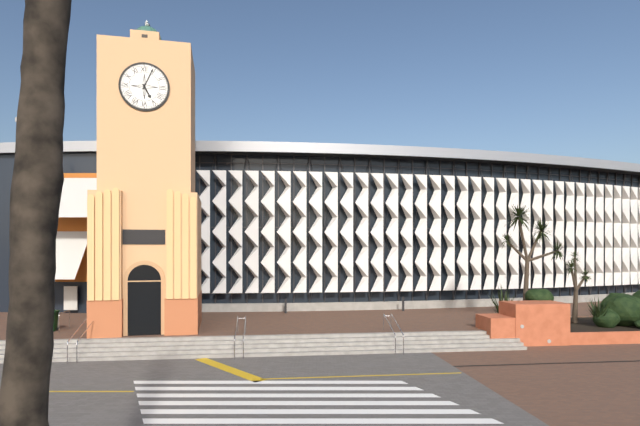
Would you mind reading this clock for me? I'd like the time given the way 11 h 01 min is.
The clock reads 5 h 04 min
